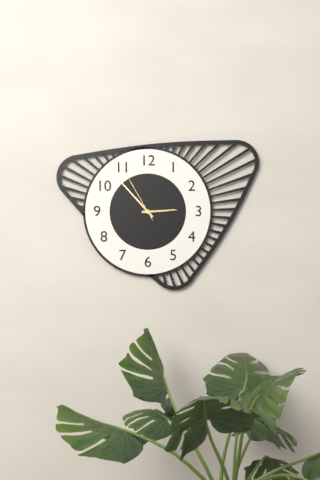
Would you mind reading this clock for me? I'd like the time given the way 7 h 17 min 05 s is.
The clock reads 2 h 53 min 55 s
